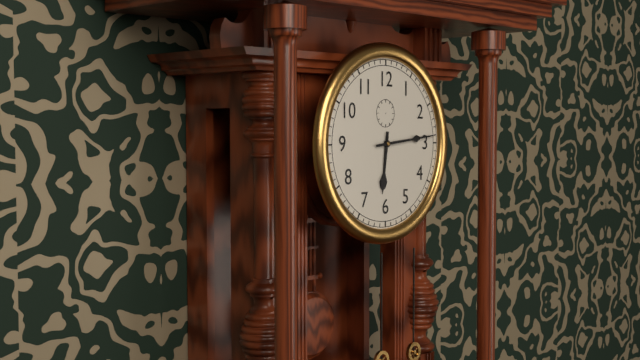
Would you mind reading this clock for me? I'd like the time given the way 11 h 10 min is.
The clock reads 6 h 14 min
